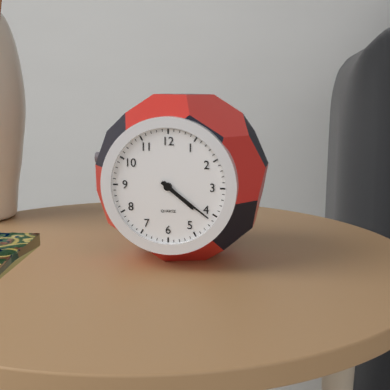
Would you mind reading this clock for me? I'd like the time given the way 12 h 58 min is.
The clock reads 4 h 21 min
